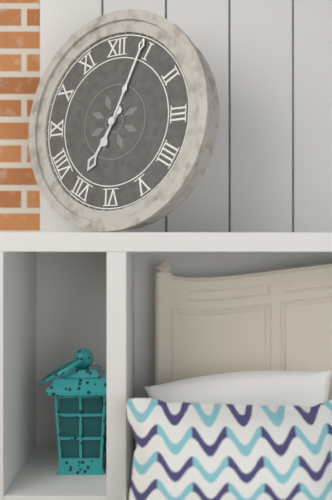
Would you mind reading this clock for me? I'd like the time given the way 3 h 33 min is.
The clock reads 7 h 04 min
